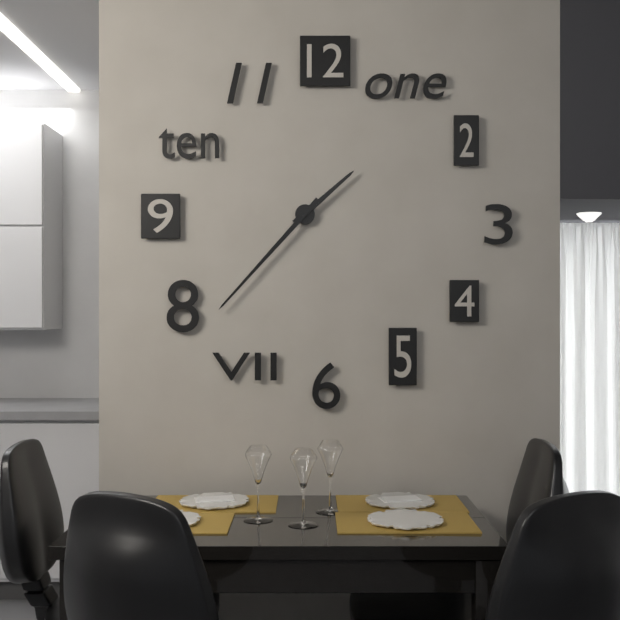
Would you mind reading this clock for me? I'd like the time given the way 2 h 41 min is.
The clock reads 1 h 37 min
